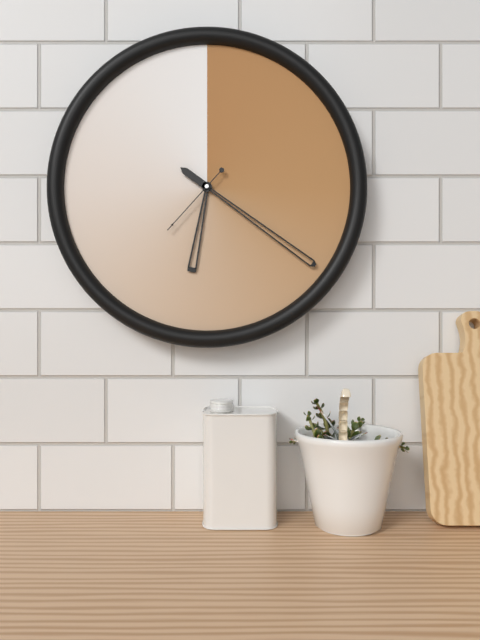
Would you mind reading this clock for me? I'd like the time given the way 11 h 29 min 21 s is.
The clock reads 6 h 21 min 37 s
